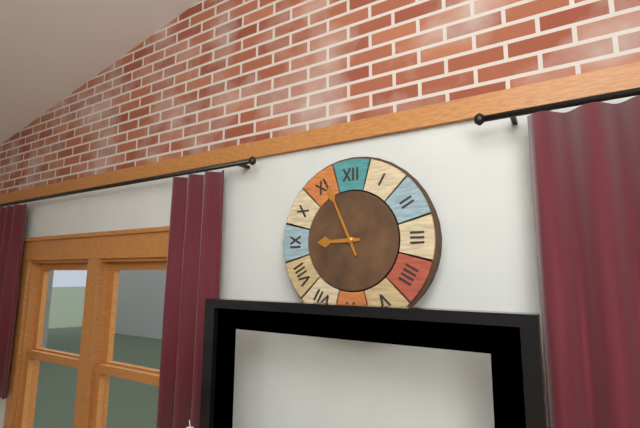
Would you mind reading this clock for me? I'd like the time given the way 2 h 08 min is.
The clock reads 8 h 56 min
